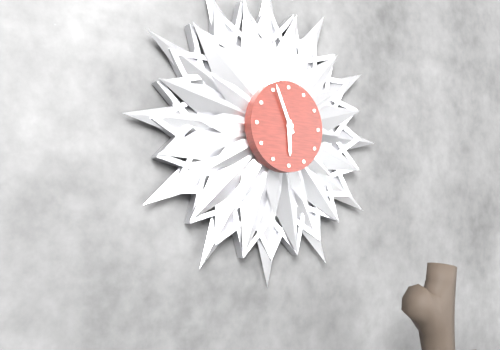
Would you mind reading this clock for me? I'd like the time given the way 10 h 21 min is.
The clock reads 5 h 56 min
